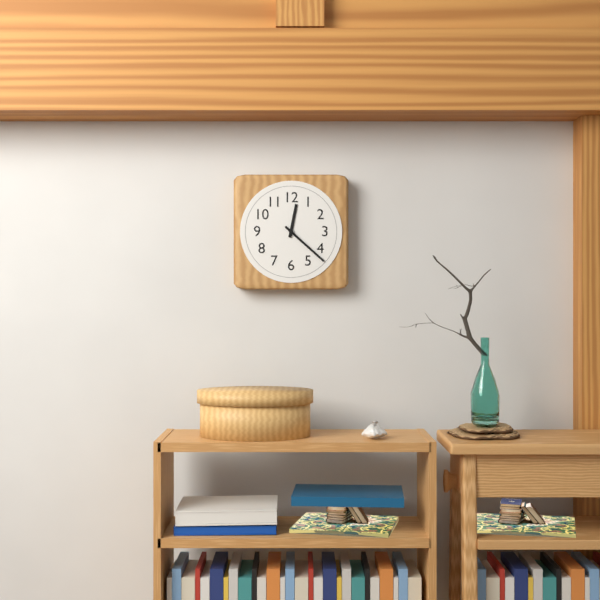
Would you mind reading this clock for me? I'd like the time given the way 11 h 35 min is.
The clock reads 12 h 22 min
